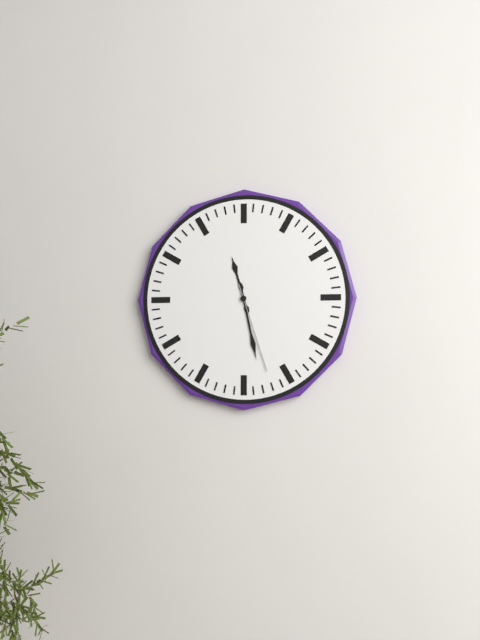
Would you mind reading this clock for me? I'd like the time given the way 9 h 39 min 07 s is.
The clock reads 11 h 28 min 27 s
